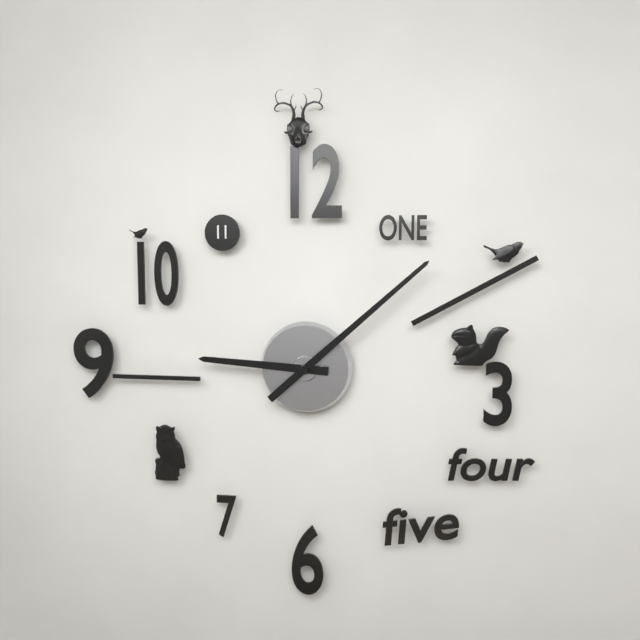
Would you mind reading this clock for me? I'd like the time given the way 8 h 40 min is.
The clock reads 9 h 08 min
